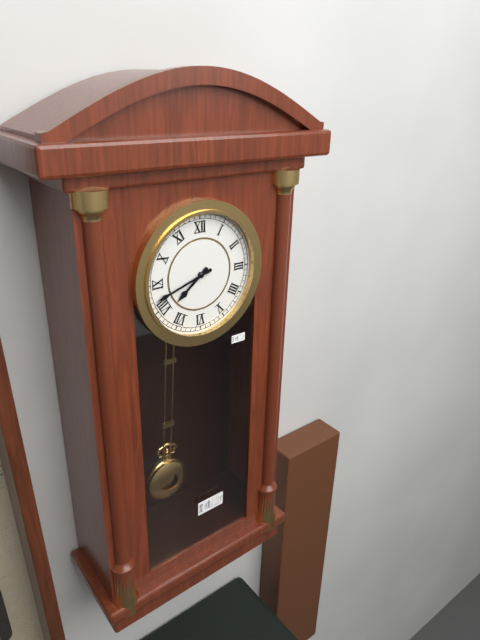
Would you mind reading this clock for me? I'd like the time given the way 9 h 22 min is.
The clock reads 7 h 42 min
